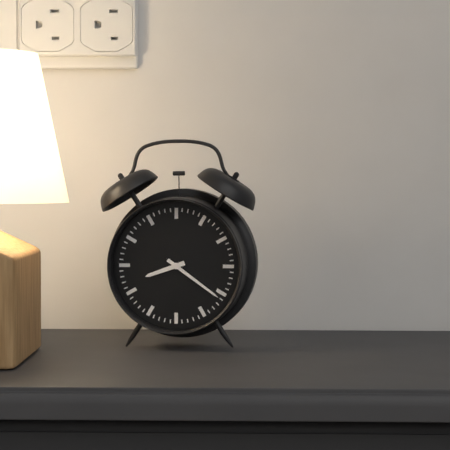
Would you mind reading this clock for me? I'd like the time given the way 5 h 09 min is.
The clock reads 8 h 21 min
